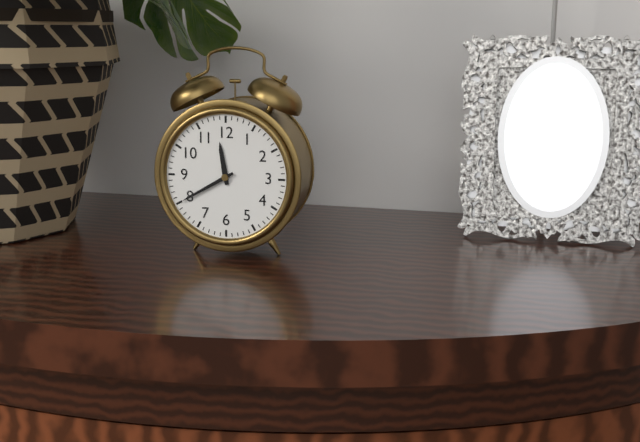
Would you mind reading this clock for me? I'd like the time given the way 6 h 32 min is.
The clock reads 11 h 40 min
